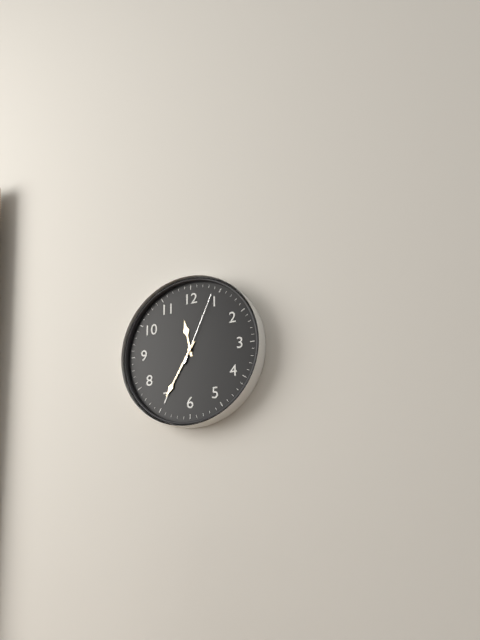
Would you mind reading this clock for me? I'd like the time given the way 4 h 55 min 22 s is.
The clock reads 11 h 35 min 04 s
